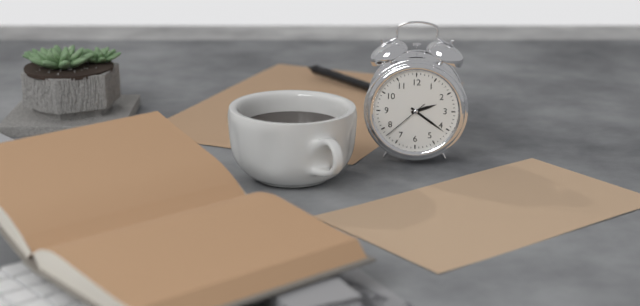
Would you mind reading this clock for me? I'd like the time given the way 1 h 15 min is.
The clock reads 2 h 21 min
